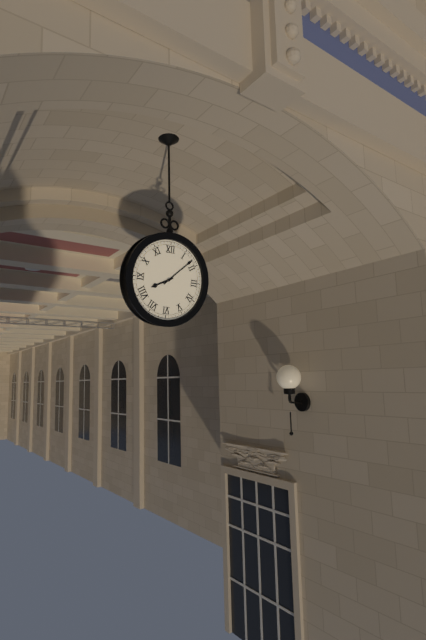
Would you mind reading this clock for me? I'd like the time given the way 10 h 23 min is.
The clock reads 8 h 08 min
